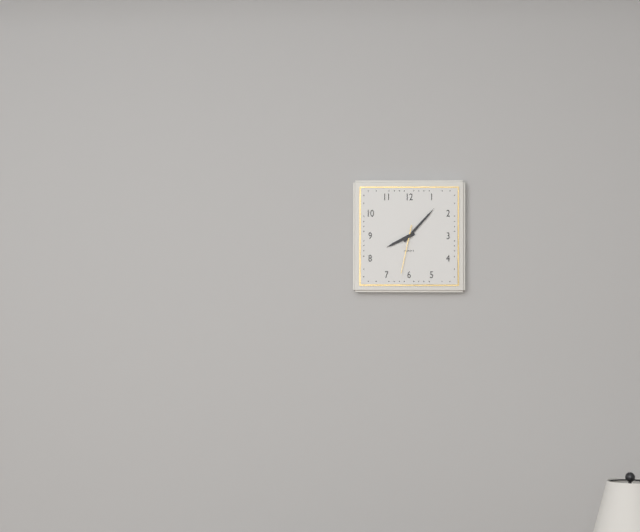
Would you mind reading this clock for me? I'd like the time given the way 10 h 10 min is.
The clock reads 8 h 07 min
